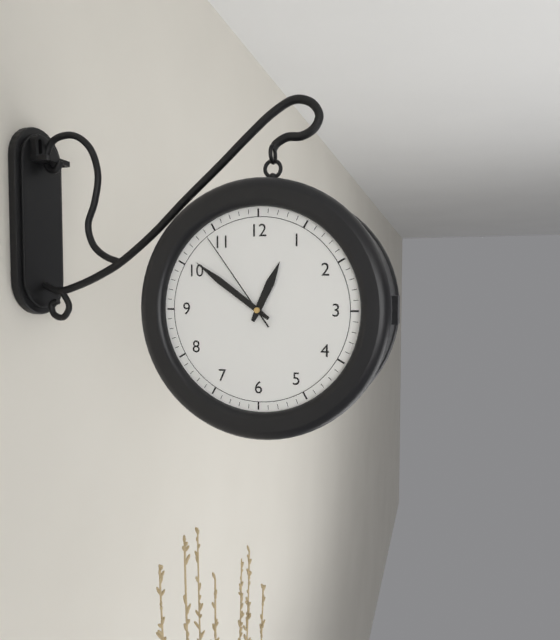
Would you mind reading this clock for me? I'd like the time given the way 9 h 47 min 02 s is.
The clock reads 12 h 51 min 54 s
